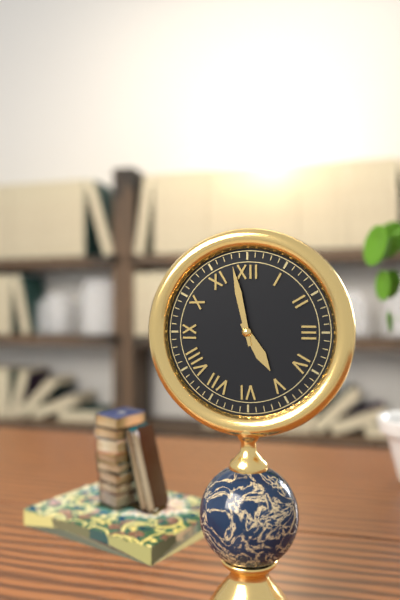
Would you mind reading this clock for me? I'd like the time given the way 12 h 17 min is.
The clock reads 4 h 58 min
